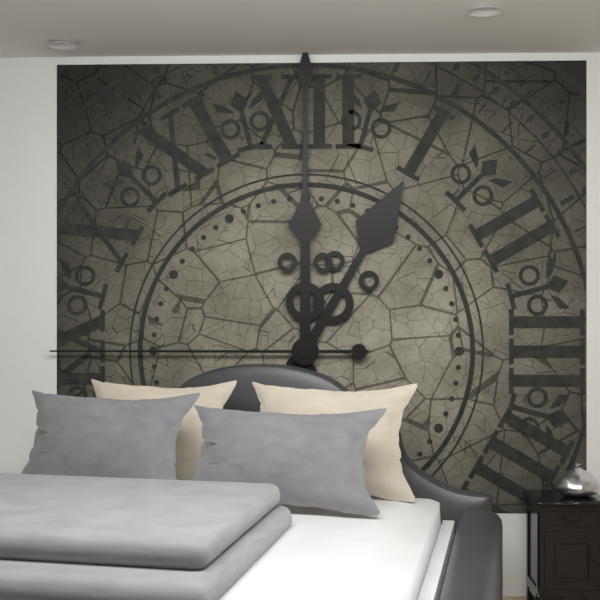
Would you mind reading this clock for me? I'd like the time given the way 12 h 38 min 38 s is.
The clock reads 1 h 00 min 45 s
